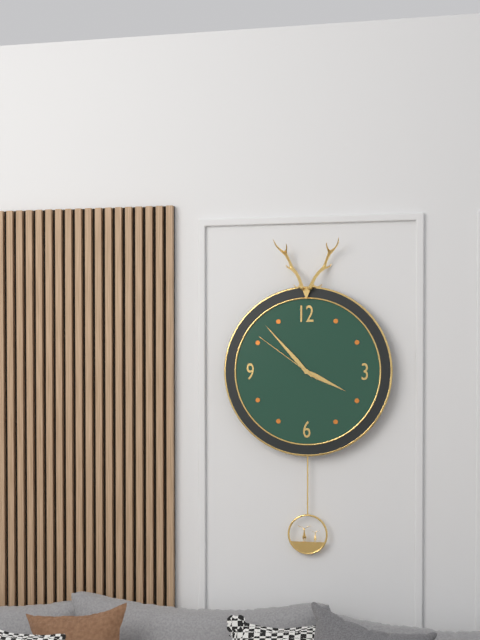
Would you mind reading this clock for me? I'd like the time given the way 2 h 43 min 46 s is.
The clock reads 3 h 53 min 51 s
